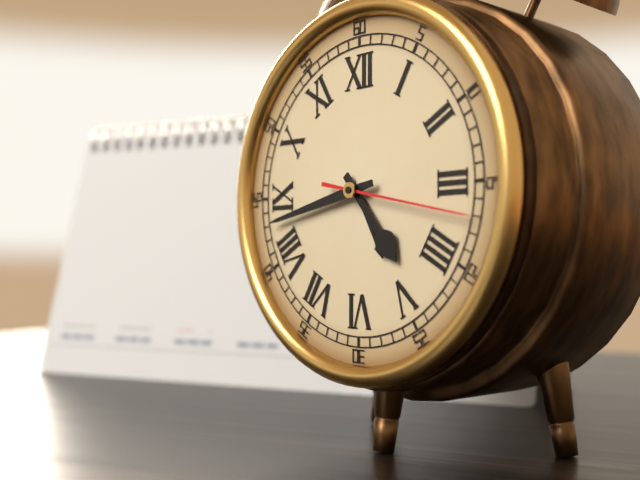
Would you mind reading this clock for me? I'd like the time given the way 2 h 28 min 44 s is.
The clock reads 4 h 43 min 17 s
